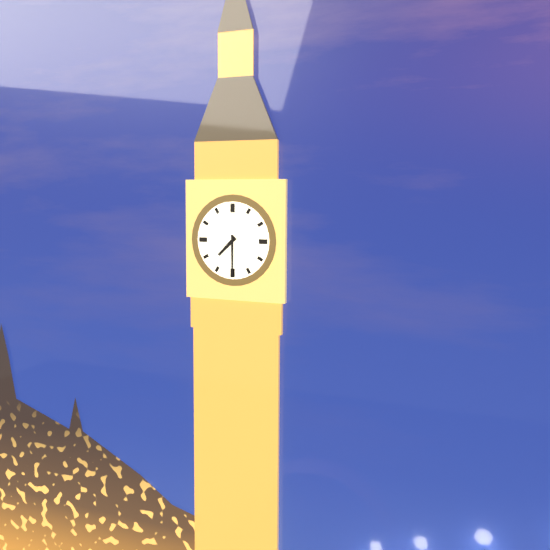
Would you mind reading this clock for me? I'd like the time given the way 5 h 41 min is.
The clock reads 7 h 30 min
